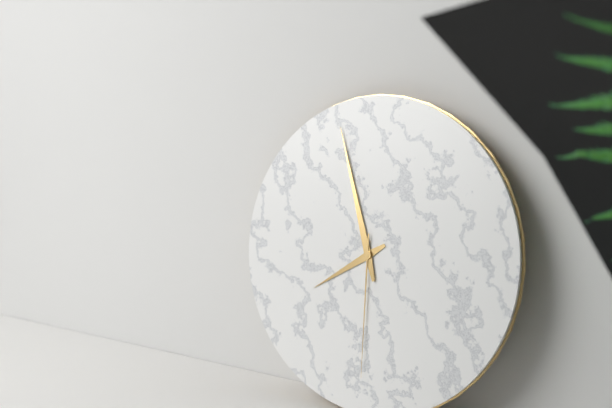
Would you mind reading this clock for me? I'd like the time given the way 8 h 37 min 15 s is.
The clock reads 7 h 57 min 30 s
